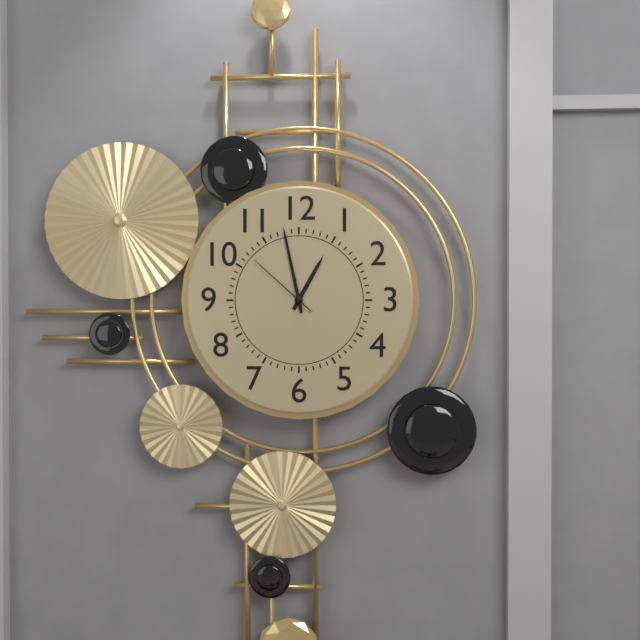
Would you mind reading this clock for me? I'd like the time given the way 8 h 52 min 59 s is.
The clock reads 12 h 58 min 52 s
